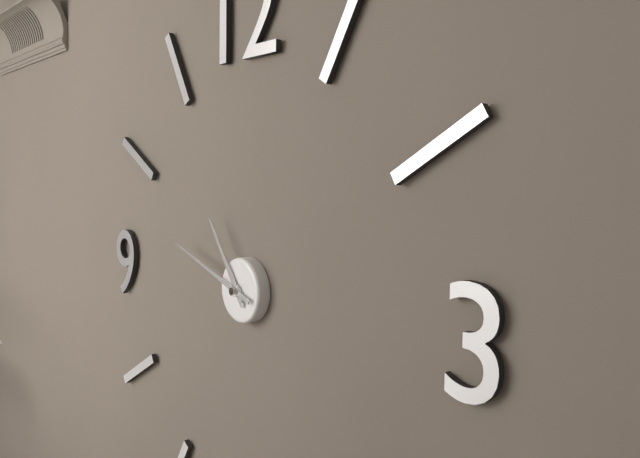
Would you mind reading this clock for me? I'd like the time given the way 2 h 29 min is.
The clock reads 10 h 48 min
